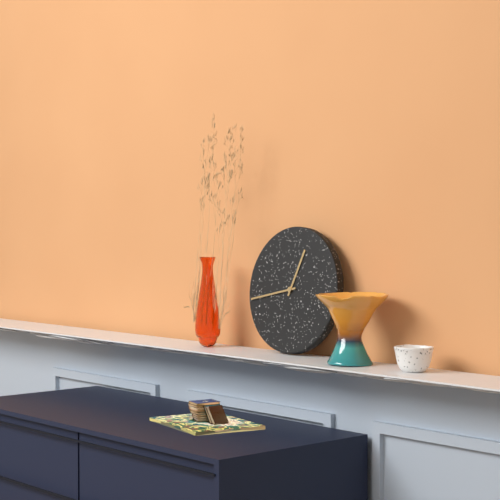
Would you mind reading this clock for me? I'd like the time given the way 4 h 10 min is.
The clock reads 12 h 43 min
